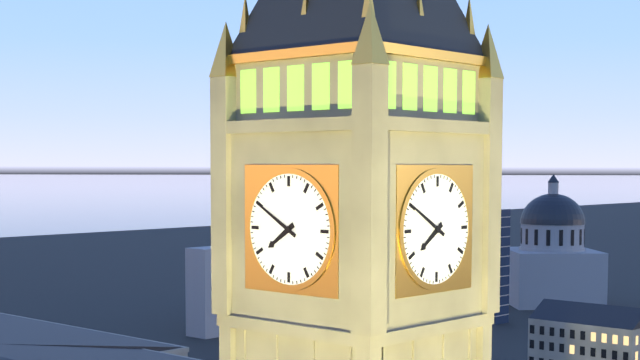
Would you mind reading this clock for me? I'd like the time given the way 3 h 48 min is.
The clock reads 7 h 50 min
